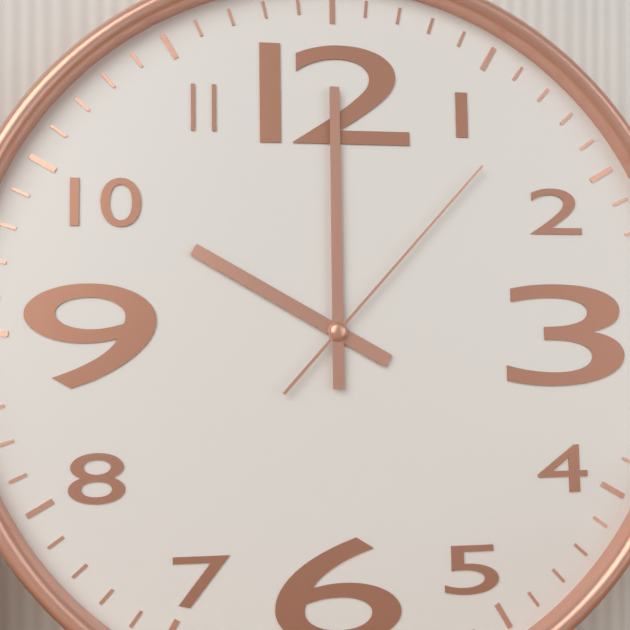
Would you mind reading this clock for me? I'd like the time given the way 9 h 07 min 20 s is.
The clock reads 10 h 00 min 07 s
